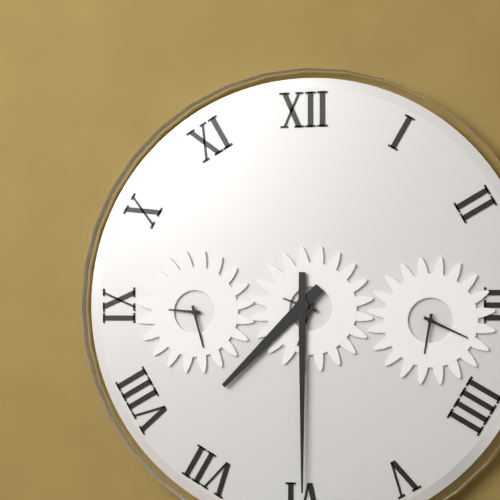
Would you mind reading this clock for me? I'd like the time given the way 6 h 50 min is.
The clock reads 7 h 30 min
